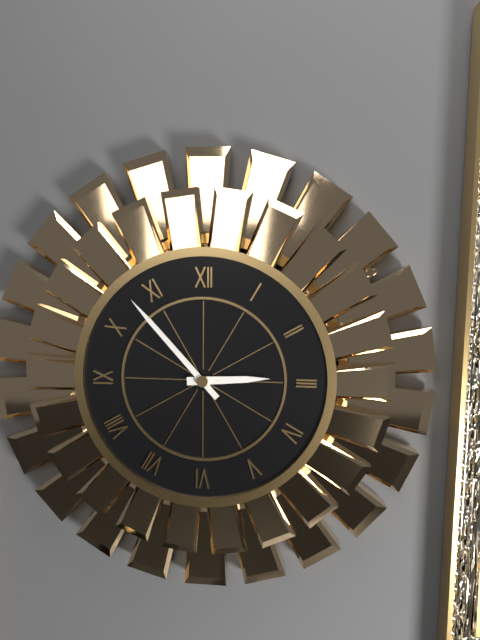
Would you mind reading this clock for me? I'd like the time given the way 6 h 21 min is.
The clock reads 2 h 53 min
